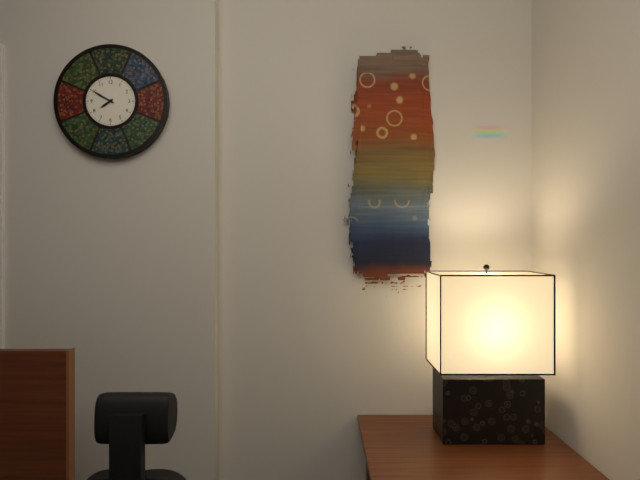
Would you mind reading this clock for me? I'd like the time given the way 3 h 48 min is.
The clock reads 7 h 50 min
